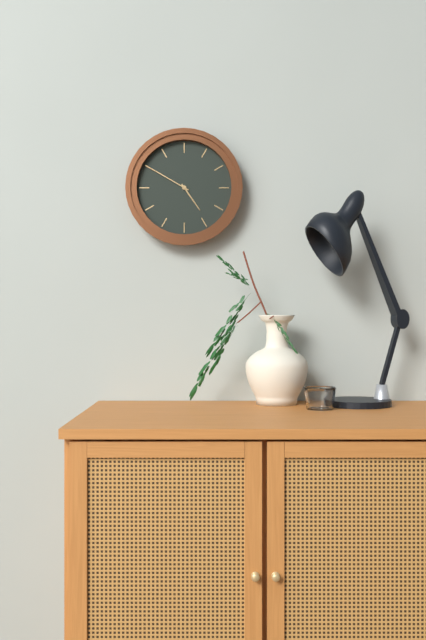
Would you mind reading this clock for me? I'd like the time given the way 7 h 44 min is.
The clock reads 4 h 50 min
